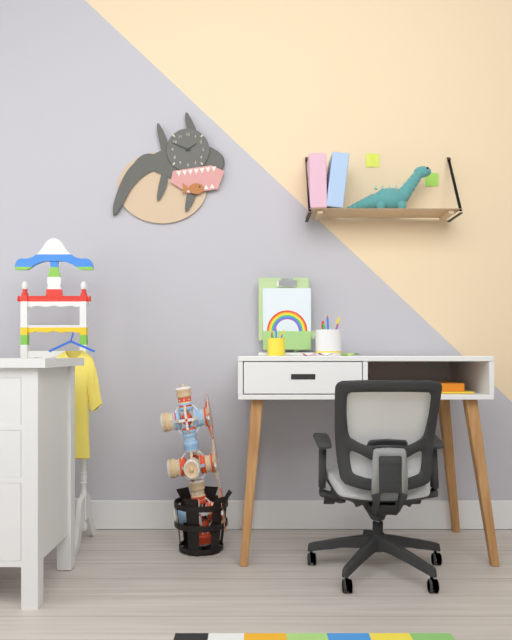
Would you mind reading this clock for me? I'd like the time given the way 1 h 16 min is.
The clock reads 1 h 49 min
